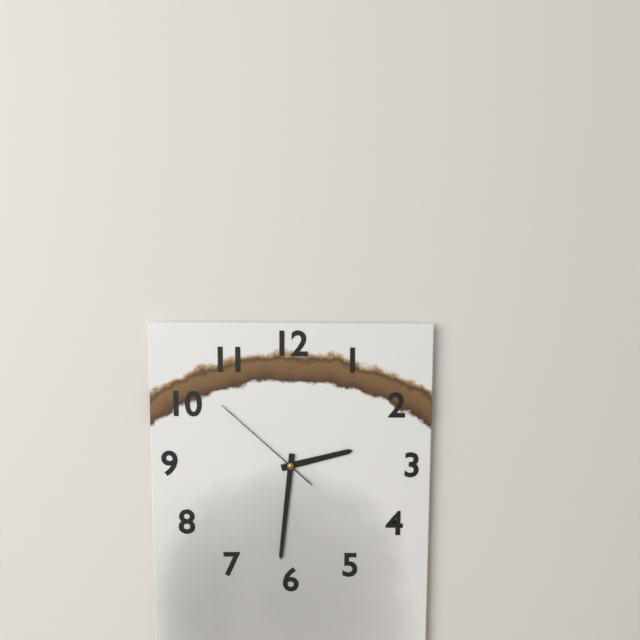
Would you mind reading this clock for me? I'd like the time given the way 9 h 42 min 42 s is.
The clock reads 2 h 31 min 52 s
